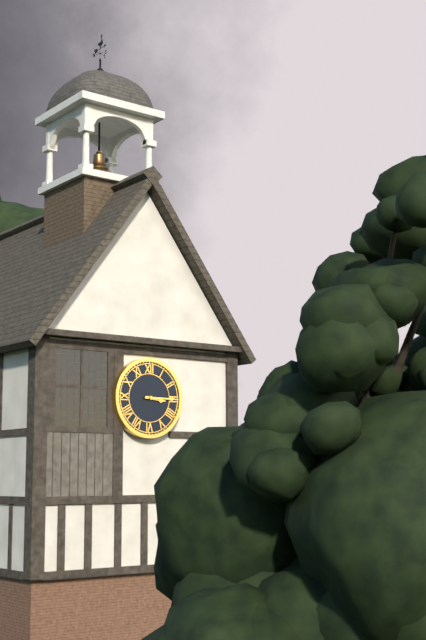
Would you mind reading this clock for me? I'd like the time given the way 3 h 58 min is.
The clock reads 3 h 15 min
